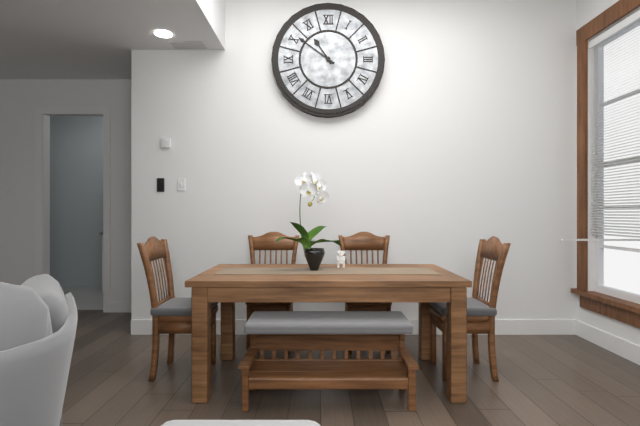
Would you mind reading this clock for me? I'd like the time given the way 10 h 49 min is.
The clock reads 10 h 51 min
